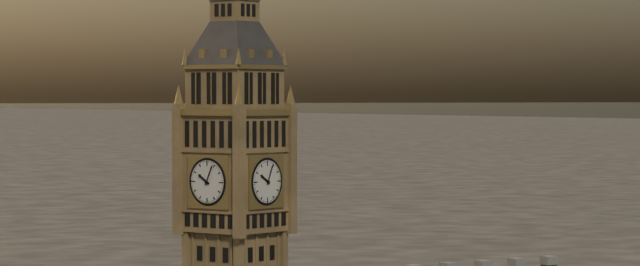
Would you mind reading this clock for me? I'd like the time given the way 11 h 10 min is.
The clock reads 10 h 04 min
